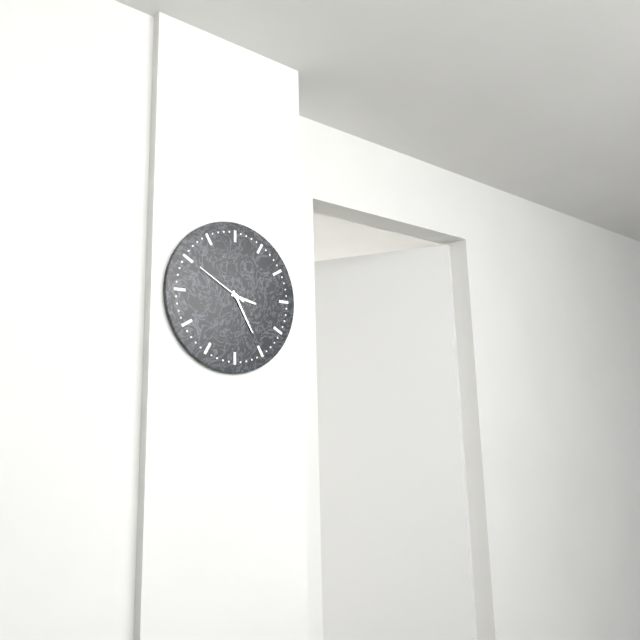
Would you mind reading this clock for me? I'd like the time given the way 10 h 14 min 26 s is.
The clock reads 3 h 25 min 50 s
